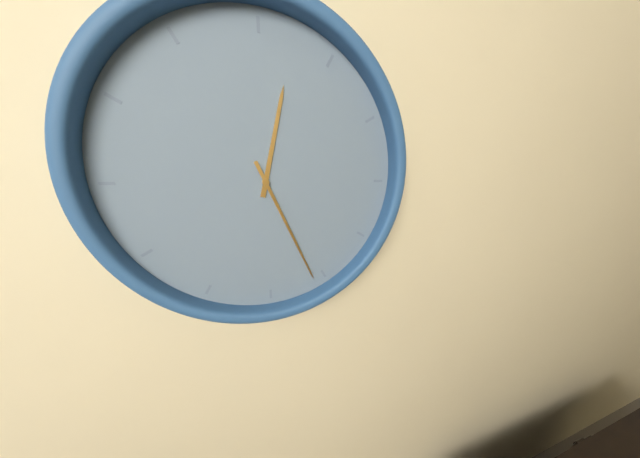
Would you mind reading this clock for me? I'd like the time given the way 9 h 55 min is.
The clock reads 12 h 26 min
